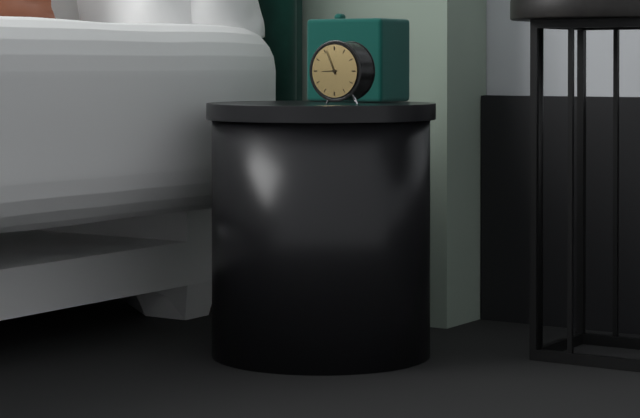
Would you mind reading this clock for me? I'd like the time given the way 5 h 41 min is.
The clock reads 8 h 56 min
